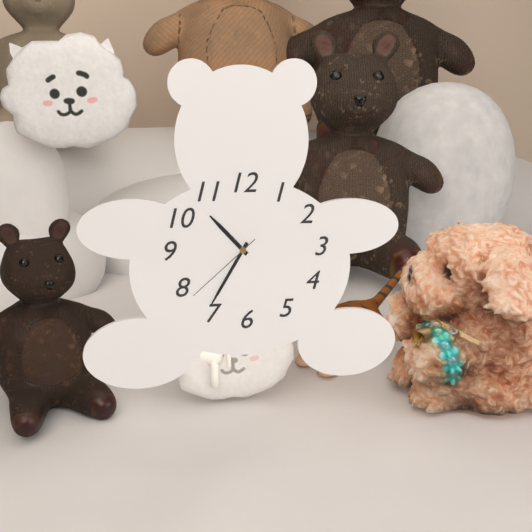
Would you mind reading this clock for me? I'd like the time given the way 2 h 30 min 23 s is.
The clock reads 10 h 35 min 38 s
